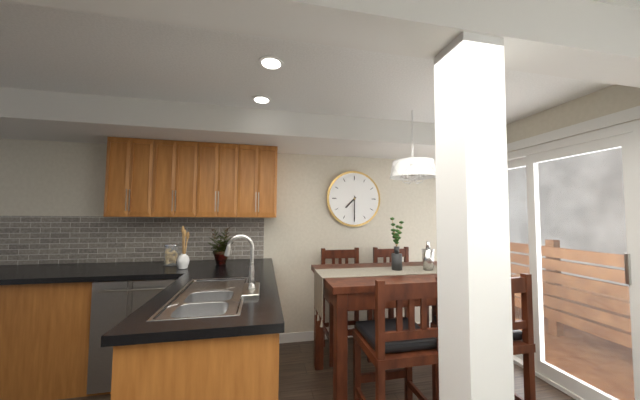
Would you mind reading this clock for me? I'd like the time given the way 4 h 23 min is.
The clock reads 7 h 30 min
